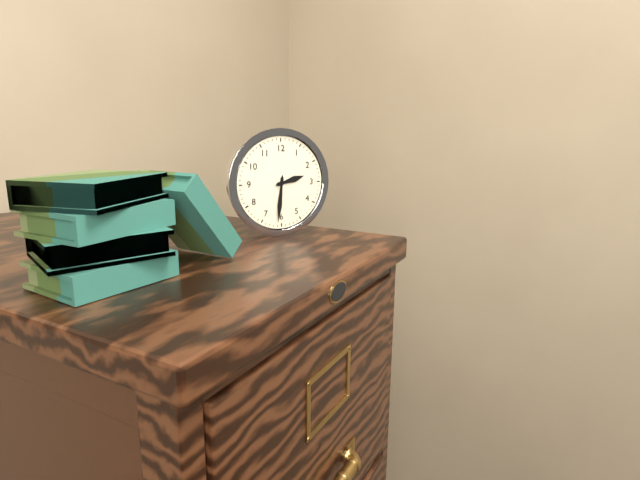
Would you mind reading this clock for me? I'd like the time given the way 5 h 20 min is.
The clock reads 2 h 31 min
